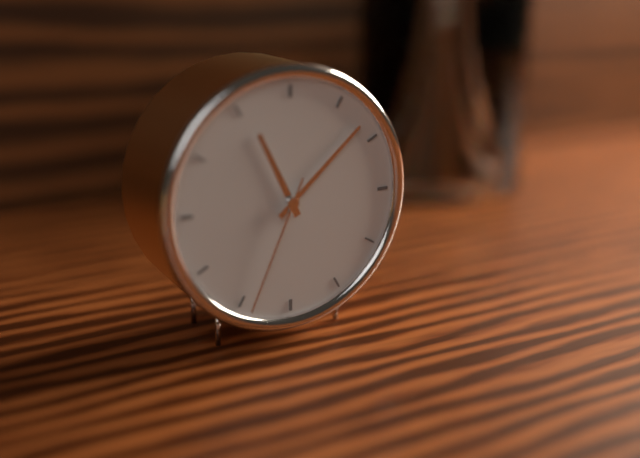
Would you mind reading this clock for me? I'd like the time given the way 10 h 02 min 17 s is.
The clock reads 11 h 08 min 34 s
